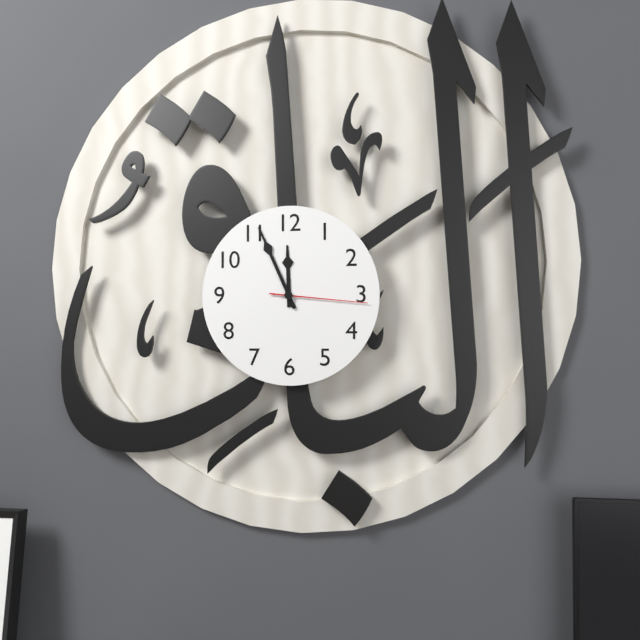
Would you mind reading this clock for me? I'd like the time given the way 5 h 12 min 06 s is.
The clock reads 11 h 56 min 16 s
